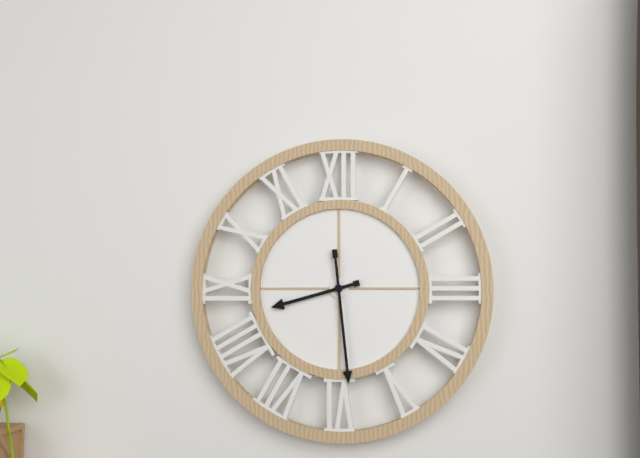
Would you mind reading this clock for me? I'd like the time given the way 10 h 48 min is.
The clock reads 8 h 29 min
